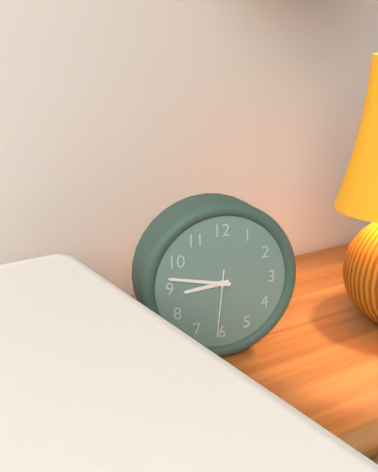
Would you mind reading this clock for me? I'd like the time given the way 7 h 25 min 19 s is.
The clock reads 8 h 47 min 31 s
